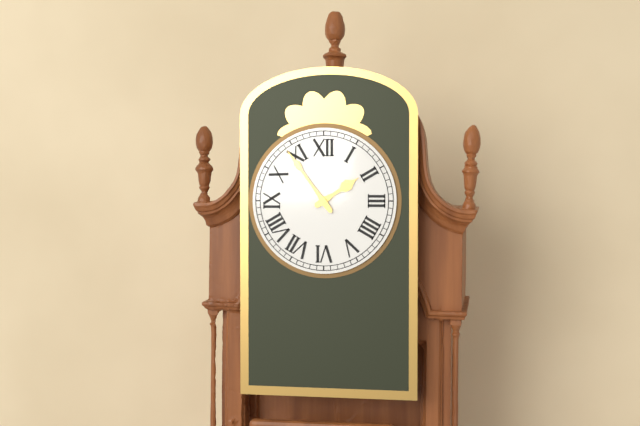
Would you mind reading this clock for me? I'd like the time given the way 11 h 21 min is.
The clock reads 1 h 54 min
